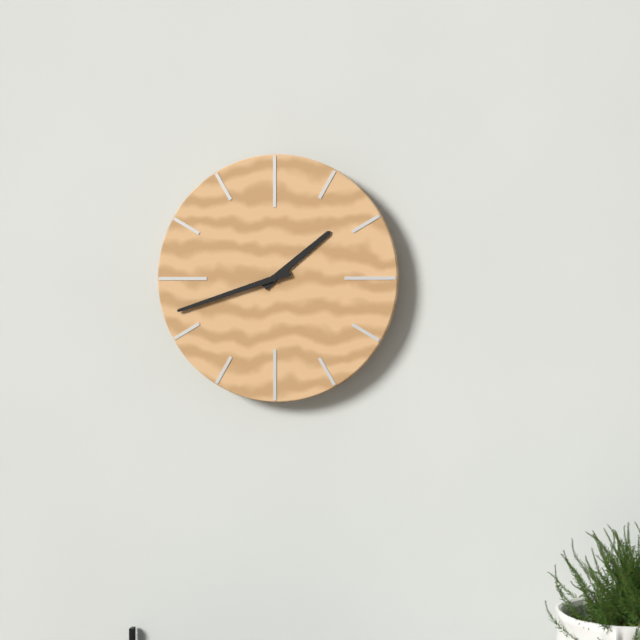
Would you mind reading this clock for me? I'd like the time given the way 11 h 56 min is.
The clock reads 1 h 42 min
